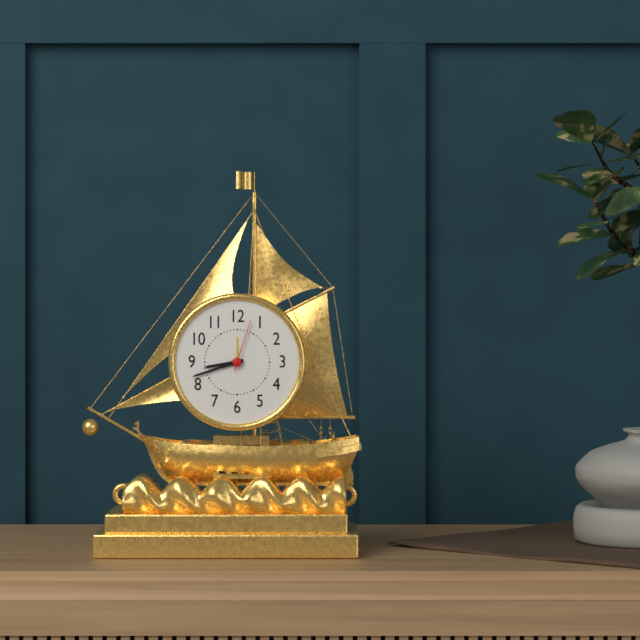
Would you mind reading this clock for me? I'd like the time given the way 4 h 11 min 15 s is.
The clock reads 8 h 42 min 03 s
